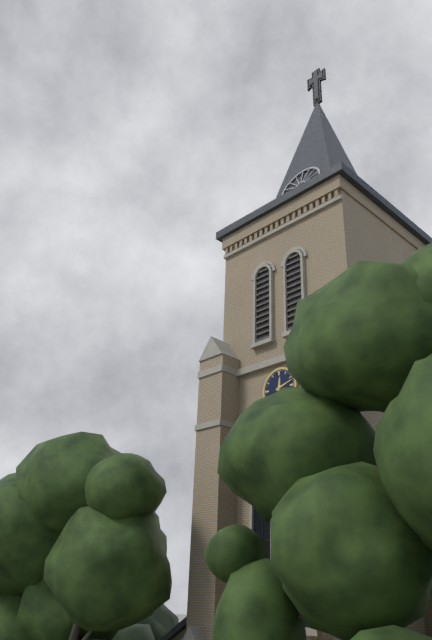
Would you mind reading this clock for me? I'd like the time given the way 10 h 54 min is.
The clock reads 12 h 12 min
